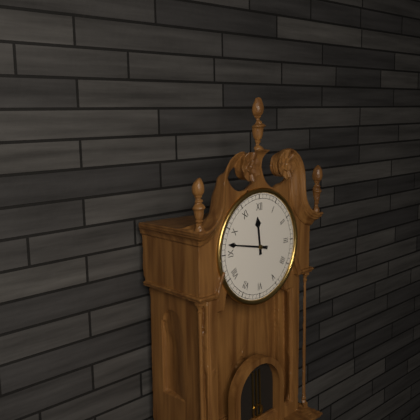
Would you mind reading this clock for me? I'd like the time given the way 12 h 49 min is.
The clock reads 11 h 47 min
